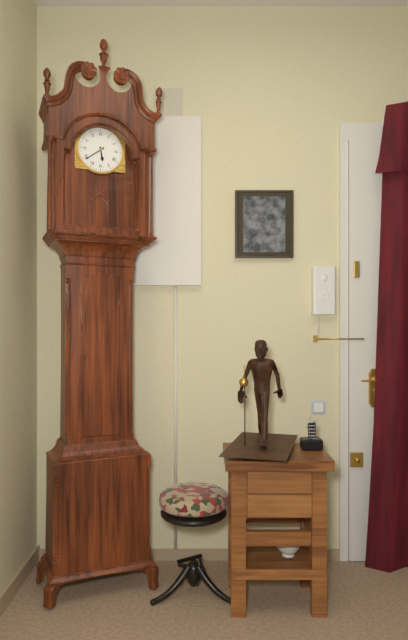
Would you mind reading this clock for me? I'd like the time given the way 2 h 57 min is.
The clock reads 5 h 39 min
